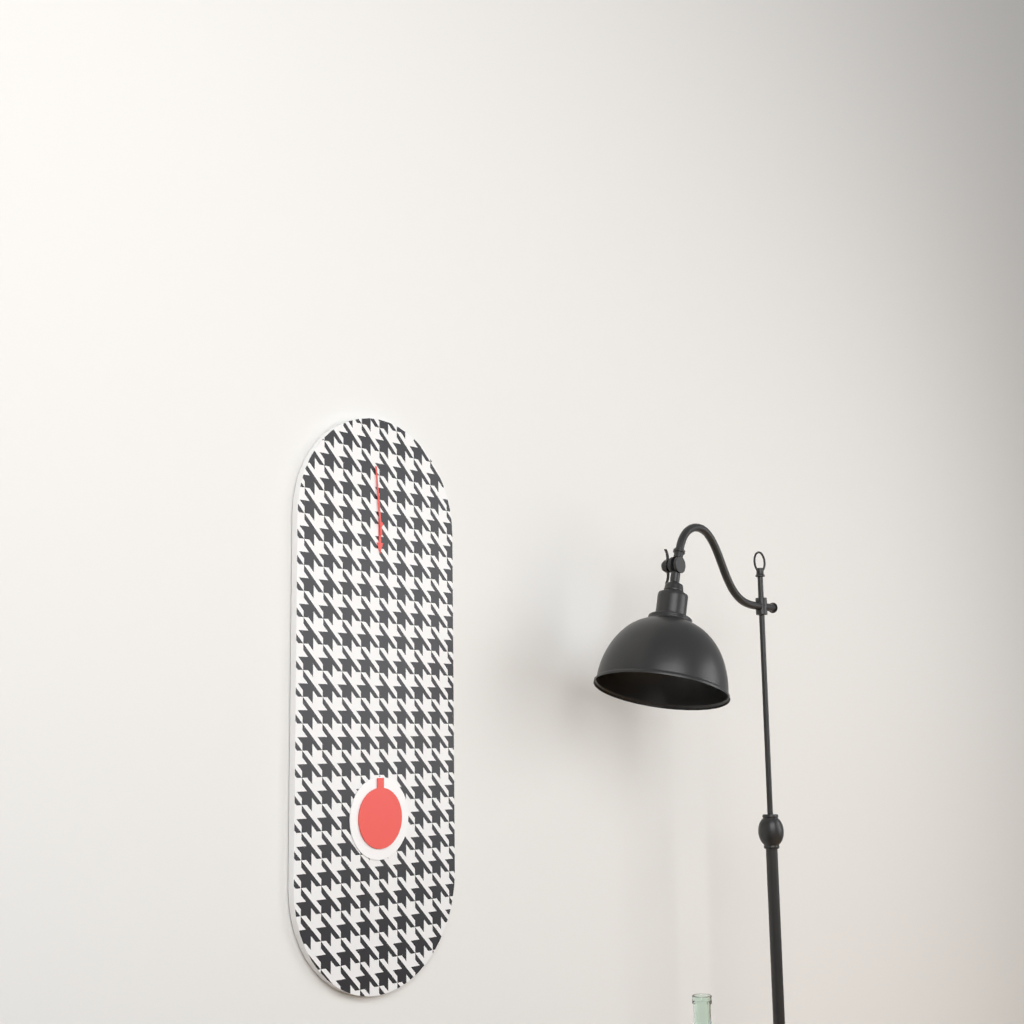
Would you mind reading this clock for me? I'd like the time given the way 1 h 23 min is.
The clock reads 5 h 59 min
